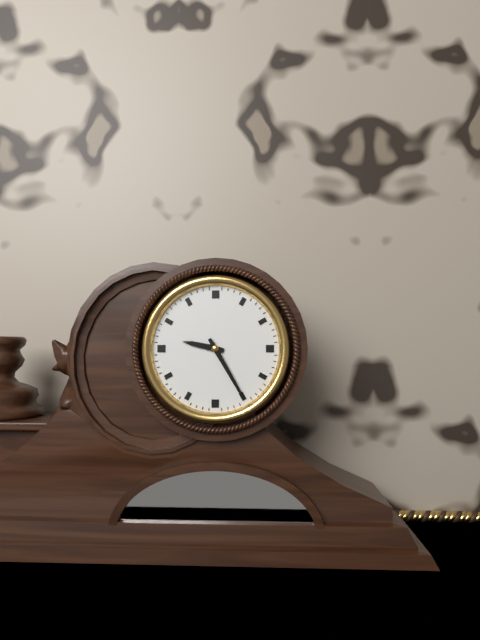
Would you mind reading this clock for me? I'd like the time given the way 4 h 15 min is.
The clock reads 9 h 25 min
